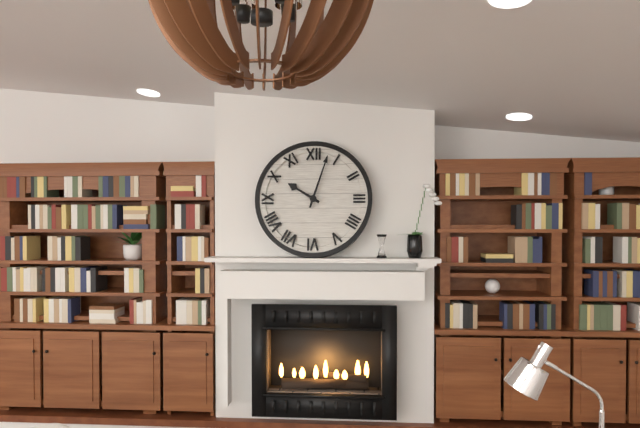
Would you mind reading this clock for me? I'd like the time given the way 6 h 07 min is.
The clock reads 10 h 03 min
